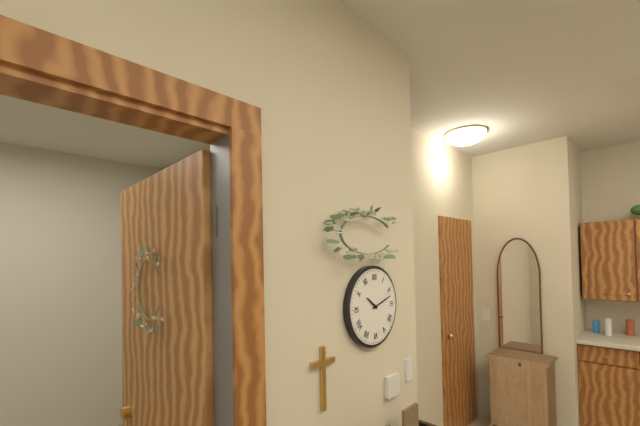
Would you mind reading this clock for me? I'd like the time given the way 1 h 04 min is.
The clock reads 10 h 12 min
